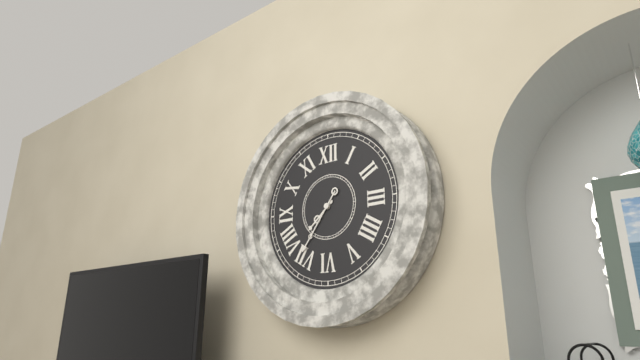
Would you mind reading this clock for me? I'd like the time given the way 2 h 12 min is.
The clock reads 7 h 36 min
